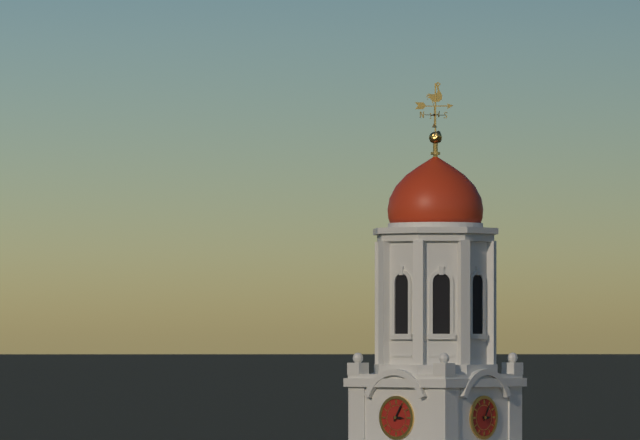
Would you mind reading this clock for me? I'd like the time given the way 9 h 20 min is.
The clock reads 3 h 05 min
